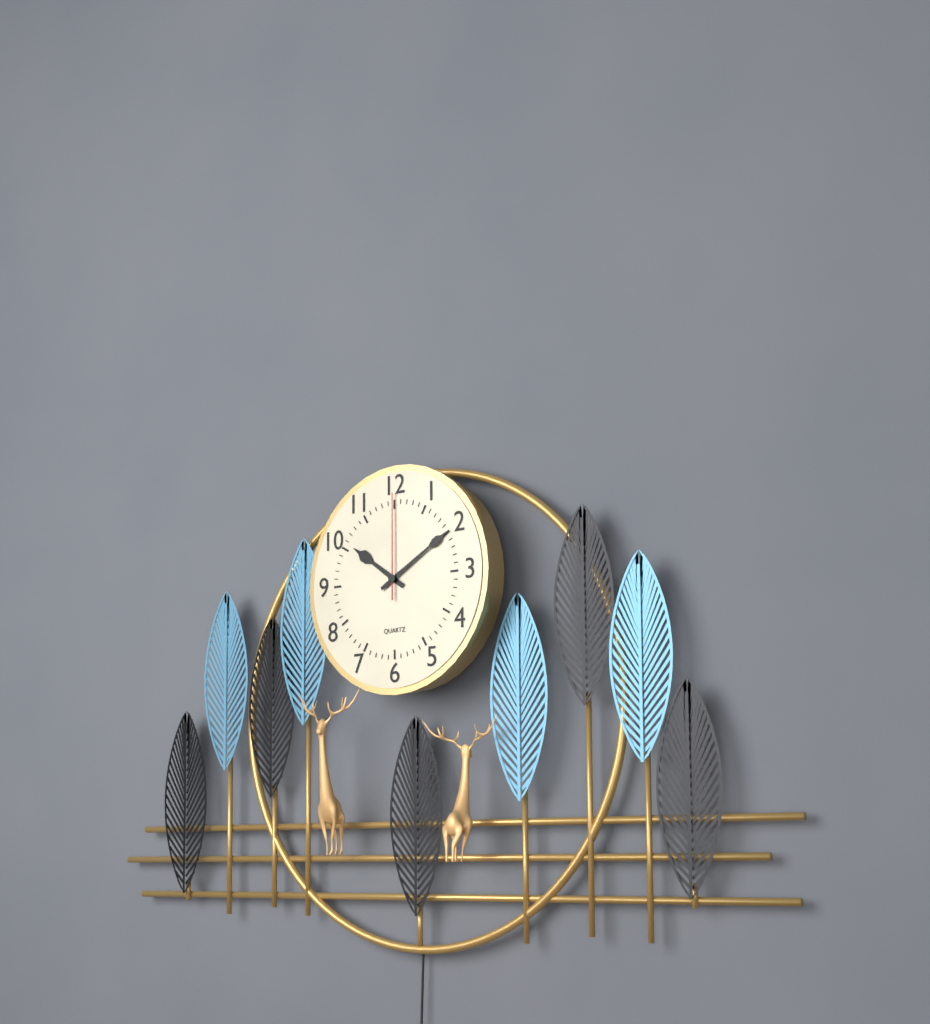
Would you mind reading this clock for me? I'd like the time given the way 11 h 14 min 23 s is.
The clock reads 10 h 10 min 00 s
